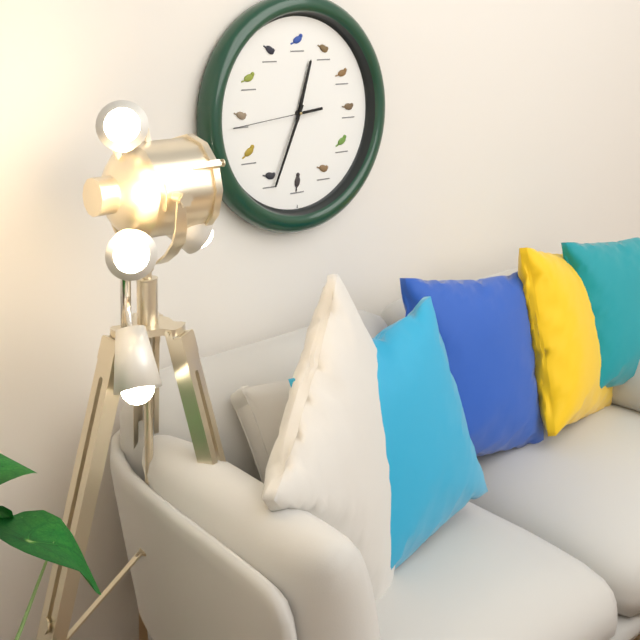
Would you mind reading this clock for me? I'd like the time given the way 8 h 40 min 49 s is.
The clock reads 12 h 34 min 44 s
